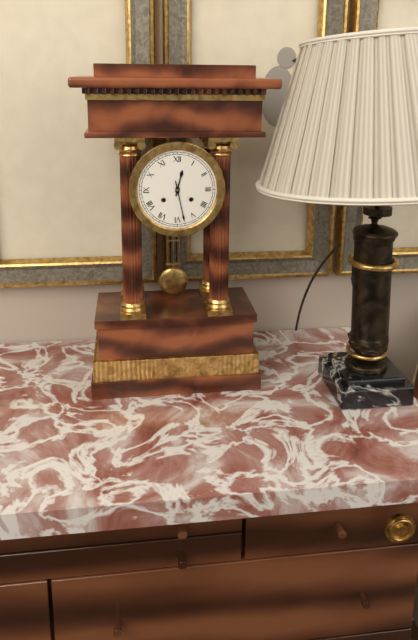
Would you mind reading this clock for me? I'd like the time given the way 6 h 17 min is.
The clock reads 12 h 28 min
